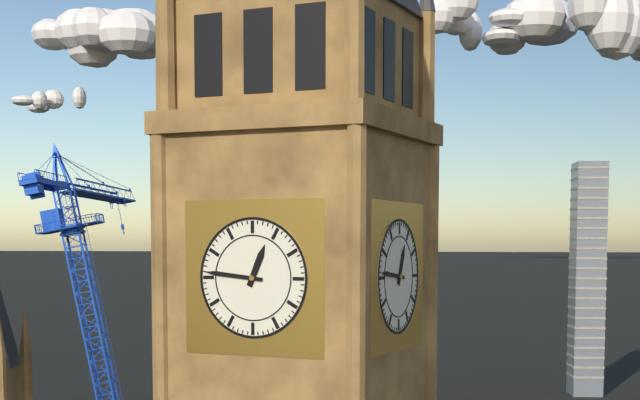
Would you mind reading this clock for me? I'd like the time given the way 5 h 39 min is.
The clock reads 12 h 46 min
